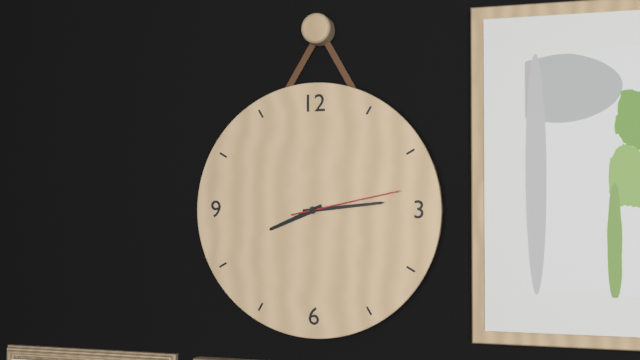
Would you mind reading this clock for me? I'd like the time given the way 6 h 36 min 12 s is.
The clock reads 8 h 14 min 13 s
